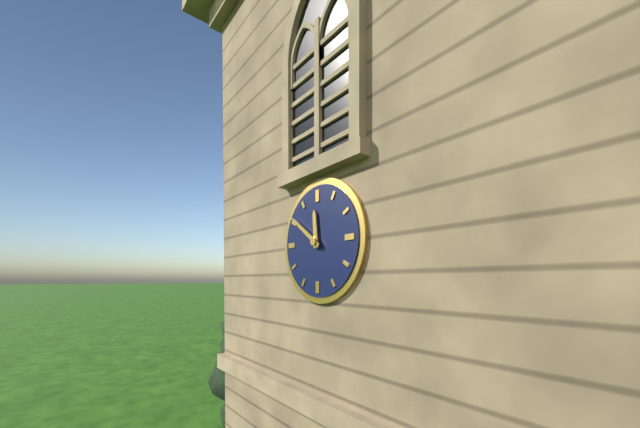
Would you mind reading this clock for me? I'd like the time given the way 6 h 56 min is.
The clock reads 11 h 51 min
